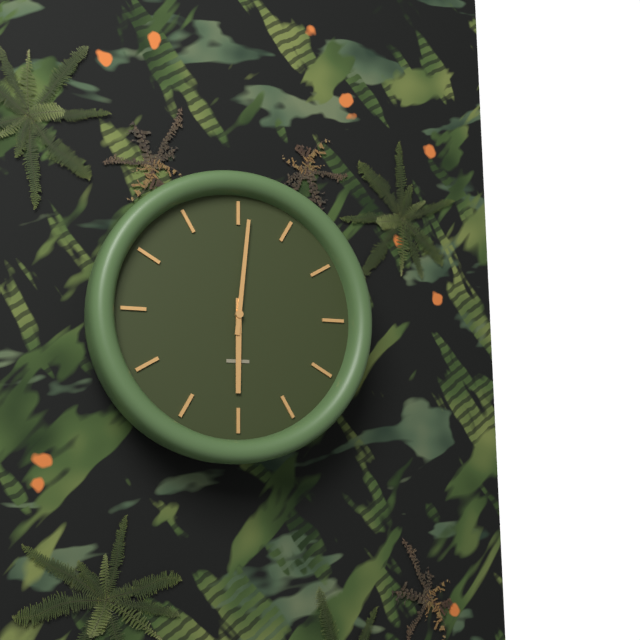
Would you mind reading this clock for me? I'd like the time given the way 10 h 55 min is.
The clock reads 6 h 01 min
